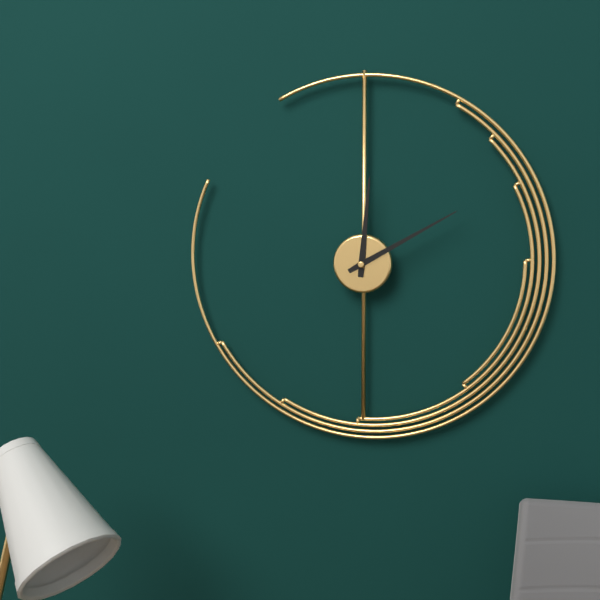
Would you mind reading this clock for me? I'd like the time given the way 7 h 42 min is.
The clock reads 12 h 10 min
